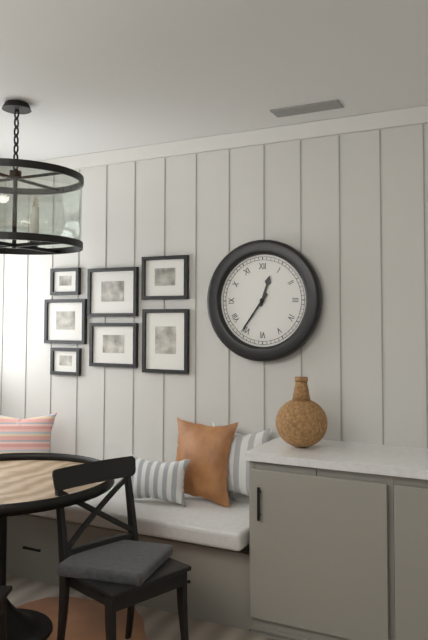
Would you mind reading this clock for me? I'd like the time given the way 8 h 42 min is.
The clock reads 12 h 36 min
